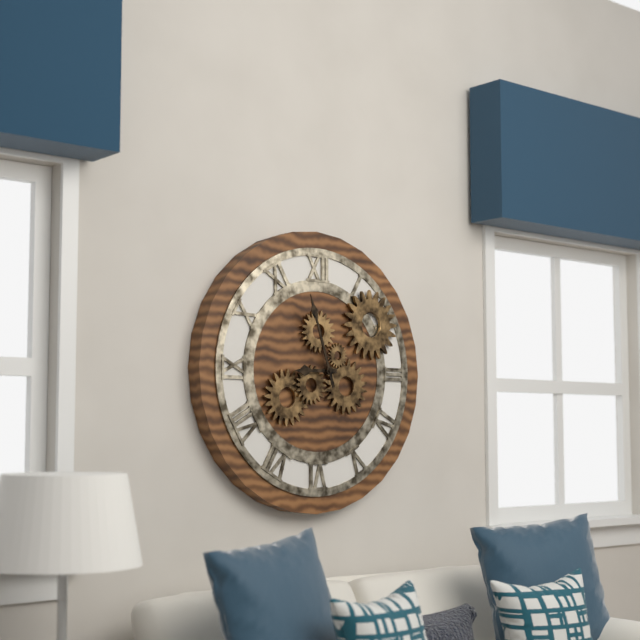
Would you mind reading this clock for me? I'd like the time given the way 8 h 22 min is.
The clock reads 8 h 57 min
